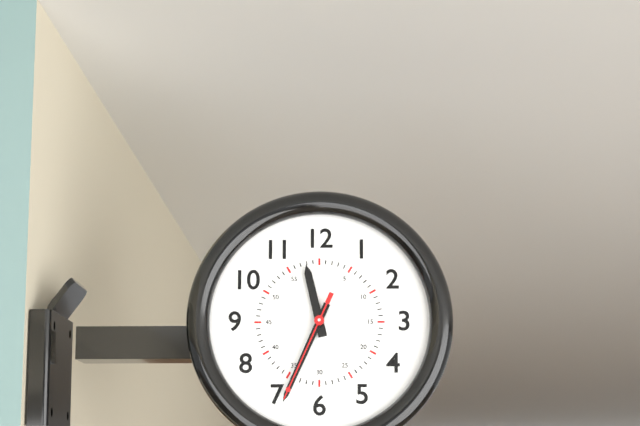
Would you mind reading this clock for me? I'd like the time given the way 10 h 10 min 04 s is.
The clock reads 11 h 34 min 34 s
